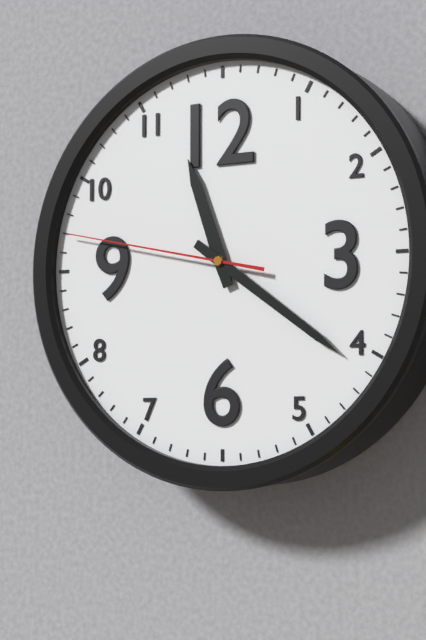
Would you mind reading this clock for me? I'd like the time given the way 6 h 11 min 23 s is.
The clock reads 11 h 21 min 47 s
